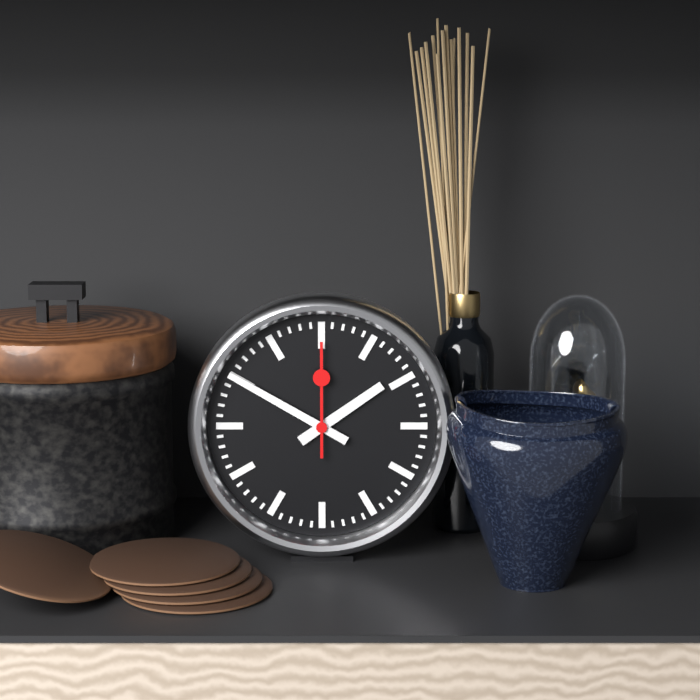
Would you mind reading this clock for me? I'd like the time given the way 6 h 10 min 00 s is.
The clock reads 1 h 50 min 00 s
